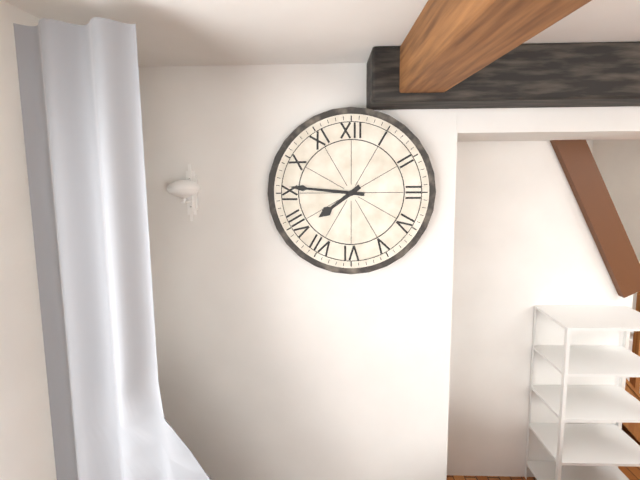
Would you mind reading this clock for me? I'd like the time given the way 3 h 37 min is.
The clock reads 7 h 46 min
